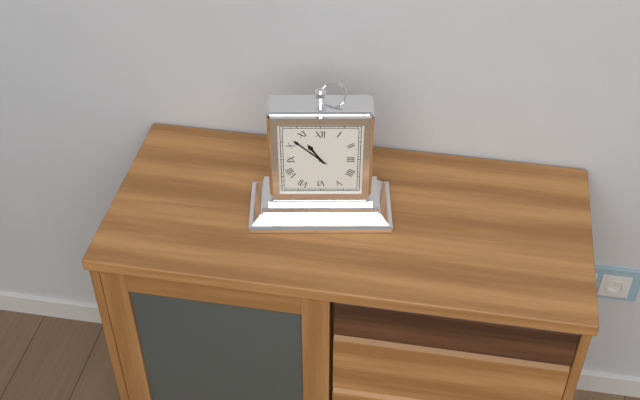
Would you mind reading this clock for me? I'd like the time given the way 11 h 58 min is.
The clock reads 10 h 52 min
